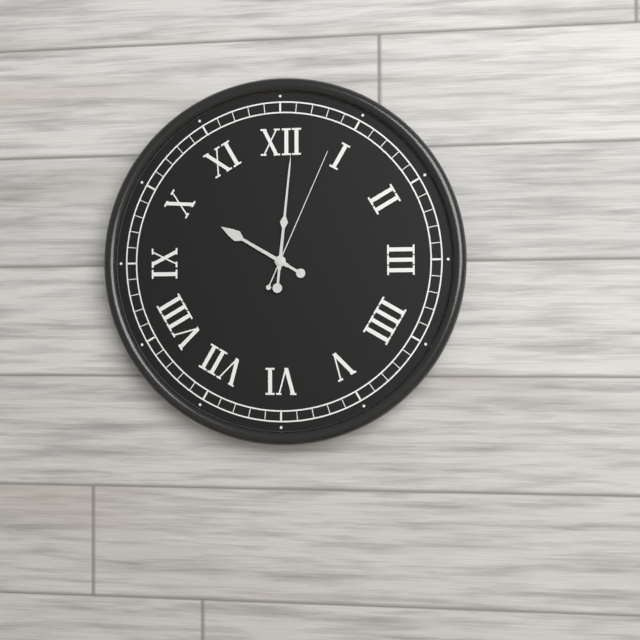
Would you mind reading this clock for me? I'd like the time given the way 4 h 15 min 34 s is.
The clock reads 10 h 01 min 04 s
